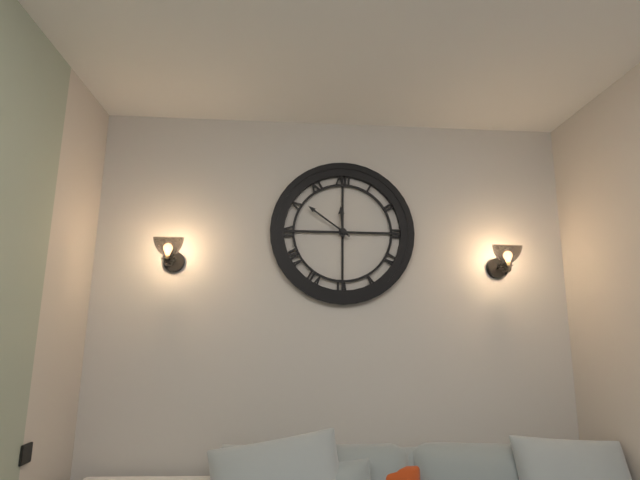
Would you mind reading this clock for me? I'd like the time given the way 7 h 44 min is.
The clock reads 11 h 51 min
